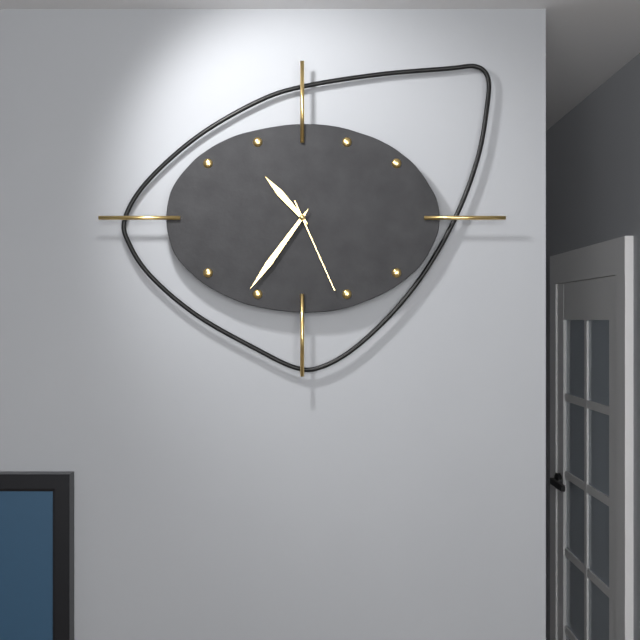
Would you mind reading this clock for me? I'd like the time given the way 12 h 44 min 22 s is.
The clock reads 10 h 36 min 26 s
